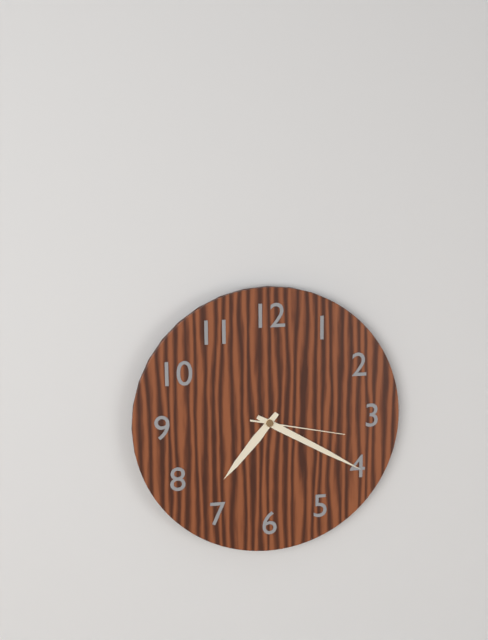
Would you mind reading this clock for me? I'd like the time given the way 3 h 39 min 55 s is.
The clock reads 7 h 20 min 17 s
